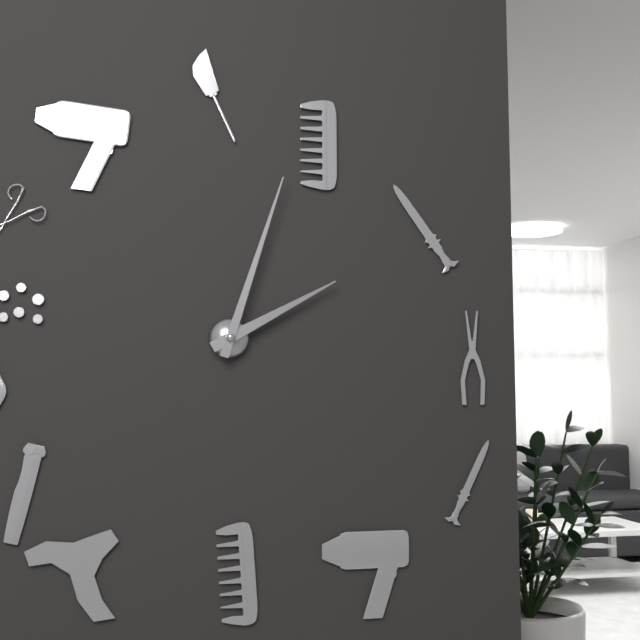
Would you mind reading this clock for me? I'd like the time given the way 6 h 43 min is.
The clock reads 2 h 03 min
